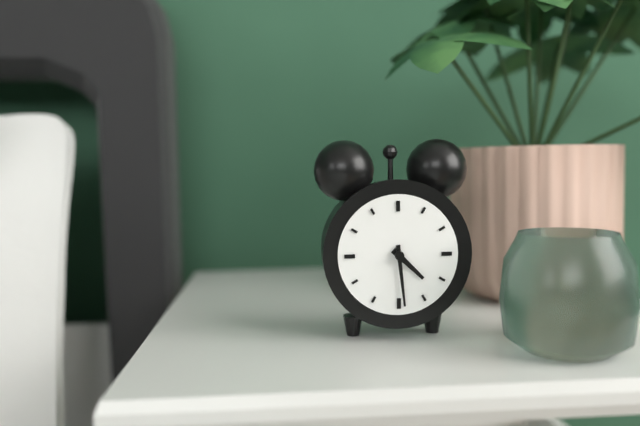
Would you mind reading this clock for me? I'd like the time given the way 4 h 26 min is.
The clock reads 4 h 29 min
